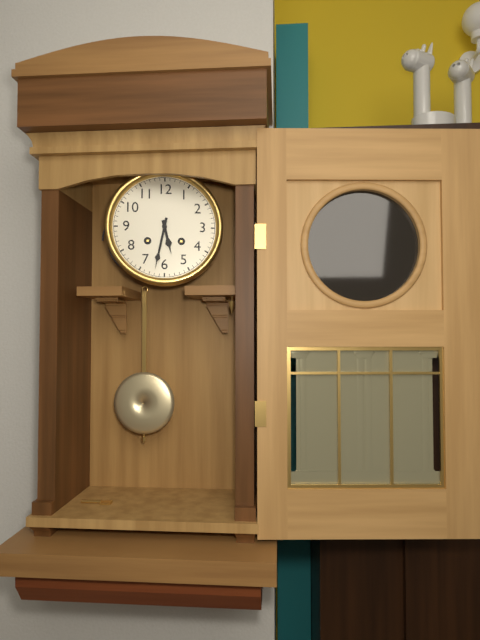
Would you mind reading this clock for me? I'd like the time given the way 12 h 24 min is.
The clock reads 5 h 32 min
